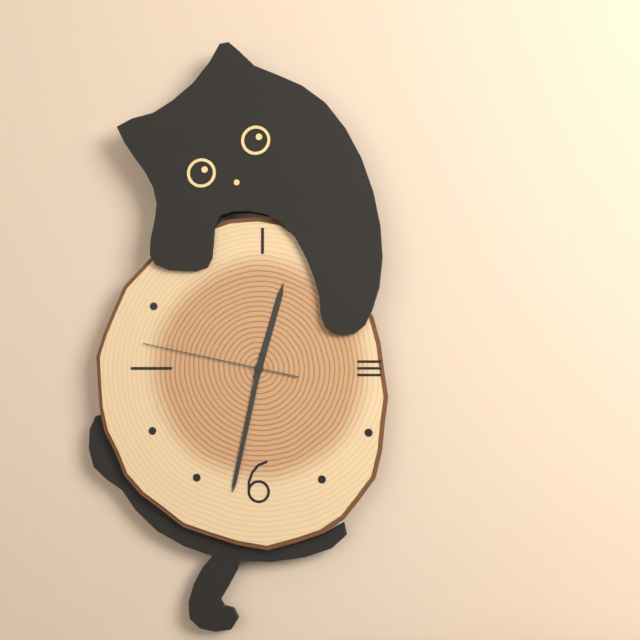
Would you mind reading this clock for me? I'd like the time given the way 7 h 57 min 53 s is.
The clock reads 12 h 32 min 47 s
